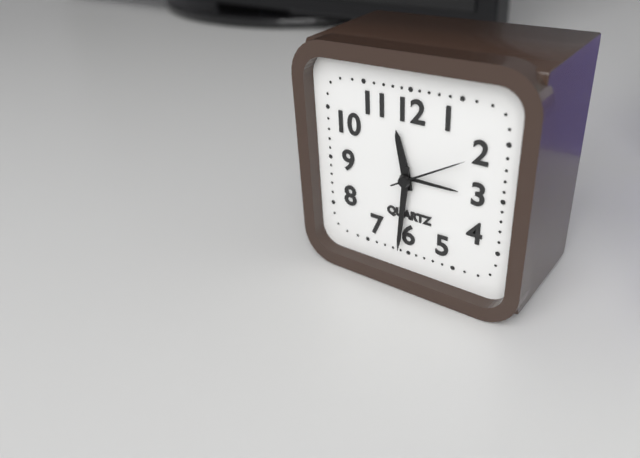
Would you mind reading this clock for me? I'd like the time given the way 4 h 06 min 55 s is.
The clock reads 11 h 31 min 10 s
